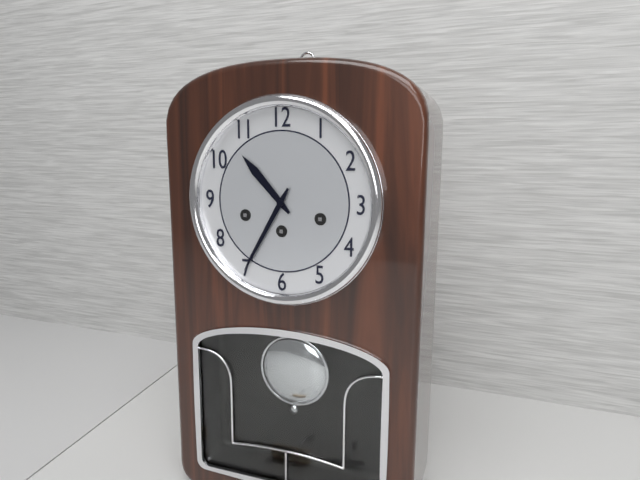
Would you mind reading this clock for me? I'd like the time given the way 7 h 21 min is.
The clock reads 10 h 35 min
